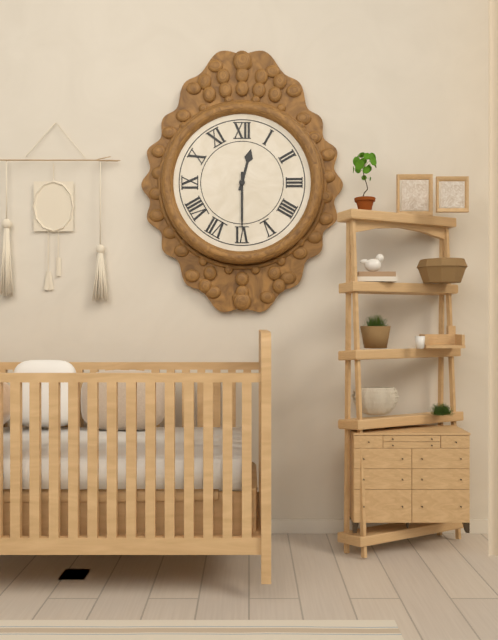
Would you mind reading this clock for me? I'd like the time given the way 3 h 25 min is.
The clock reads 12 h 30 min
